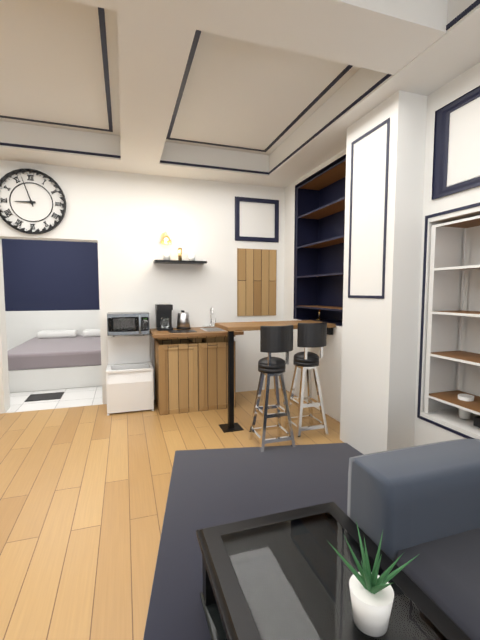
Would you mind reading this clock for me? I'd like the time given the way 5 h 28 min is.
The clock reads 8 h 57 min
